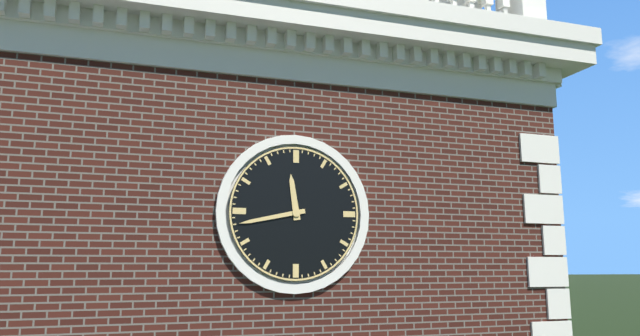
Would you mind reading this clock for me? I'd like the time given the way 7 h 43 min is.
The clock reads 11 h 43 min
